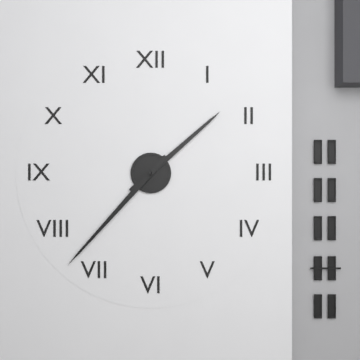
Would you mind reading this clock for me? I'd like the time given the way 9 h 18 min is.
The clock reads 1 h 37 min
